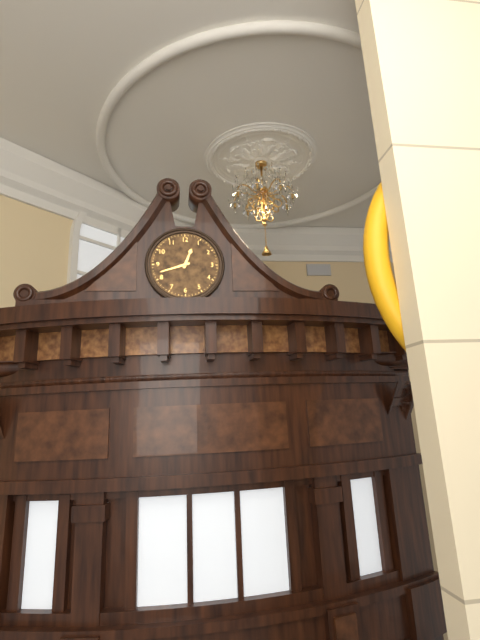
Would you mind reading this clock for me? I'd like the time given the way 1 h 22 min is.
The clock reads 12 h 42 min
